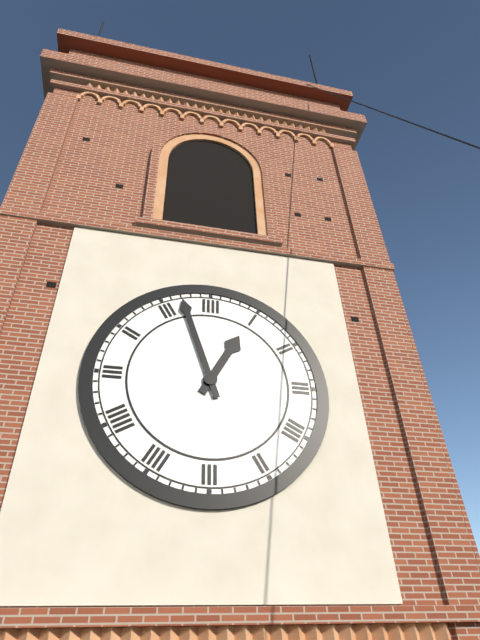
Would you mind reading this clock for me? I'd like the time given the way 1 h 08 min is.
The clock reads 12 h 57 min
